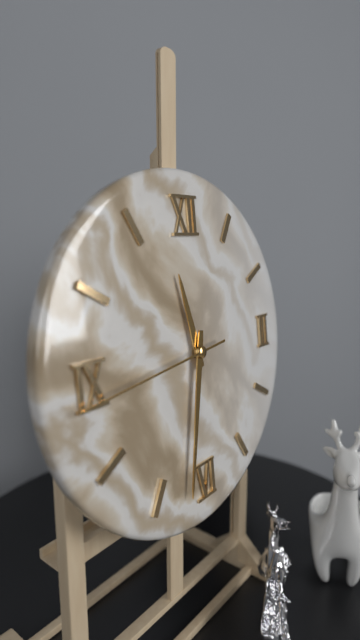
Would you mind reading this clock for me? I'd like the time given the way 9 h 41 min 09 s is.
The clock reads 11 h 32 min 44 s
